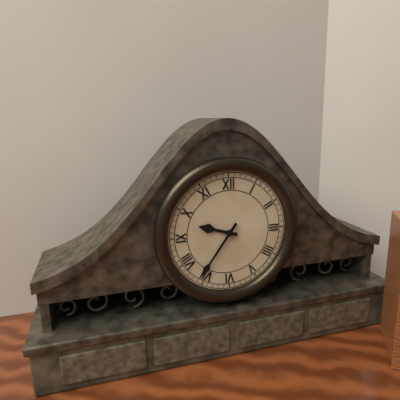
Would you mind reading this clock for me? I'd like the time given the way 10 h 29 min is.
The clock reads 9 h 36 min
